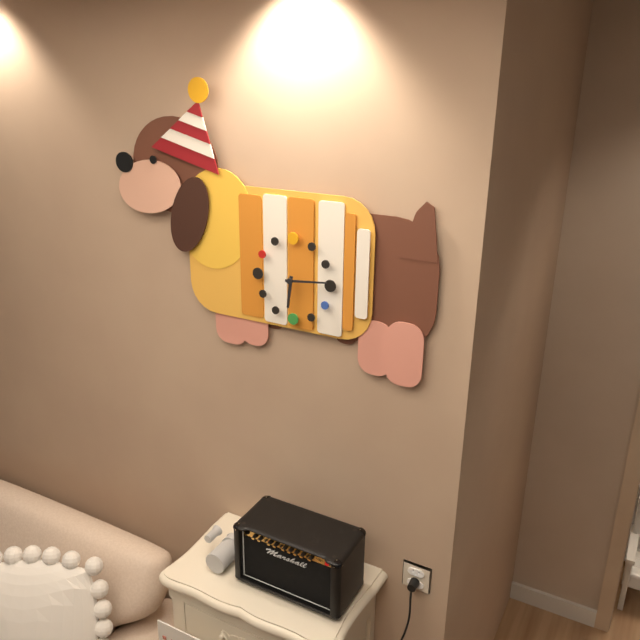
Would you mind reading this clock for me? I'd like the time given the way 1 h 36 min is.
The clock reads 6 h 14 min
